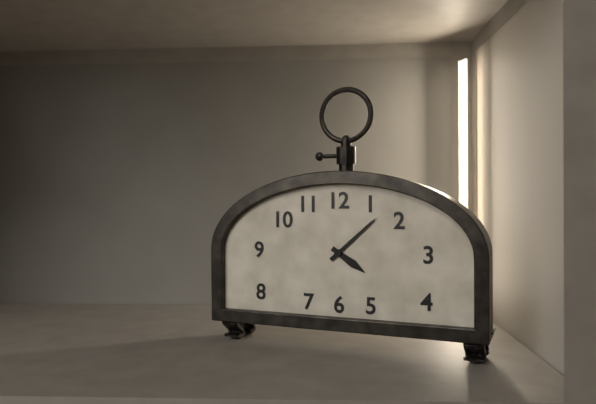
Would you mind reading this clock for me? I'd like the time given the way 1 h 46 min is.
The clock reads 4 h 08 min
